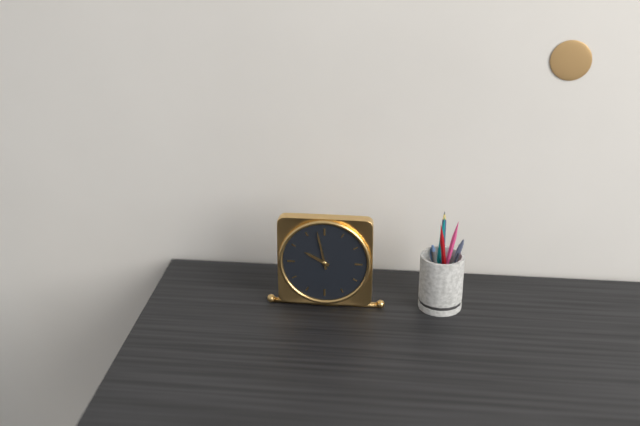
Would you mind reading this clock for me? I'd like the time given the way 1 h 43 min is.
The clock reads 9 h 58 min
